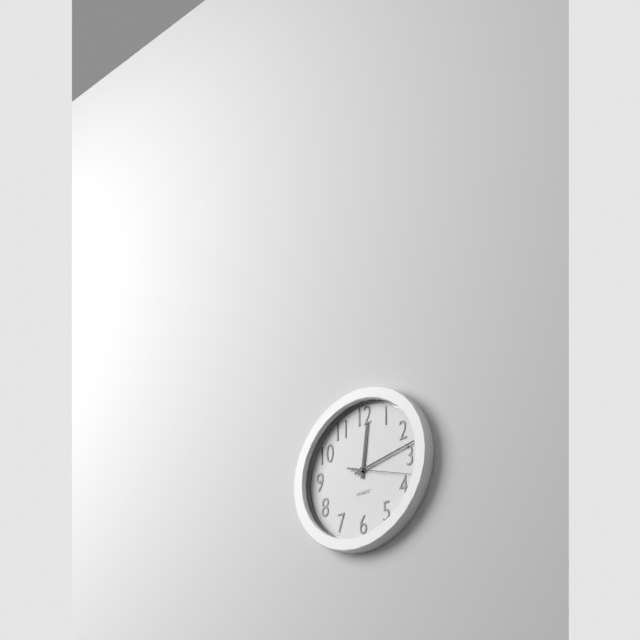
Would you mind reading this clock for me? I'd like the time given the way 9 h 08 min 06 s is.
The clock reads 12 h 13 min 18 s
